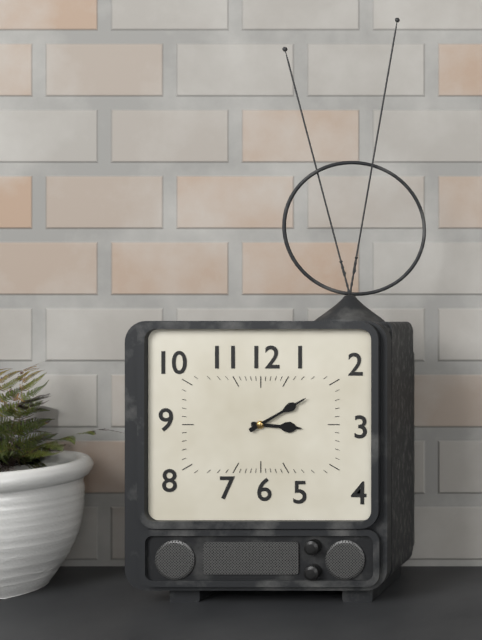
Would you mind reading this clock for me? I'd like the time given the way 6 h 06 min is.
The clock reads 3 h 10 min
